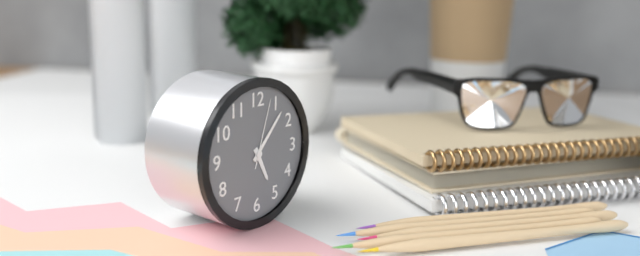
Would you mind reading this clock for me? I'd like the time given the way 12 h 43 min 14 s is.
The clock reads 5 h 07 min 03 s
